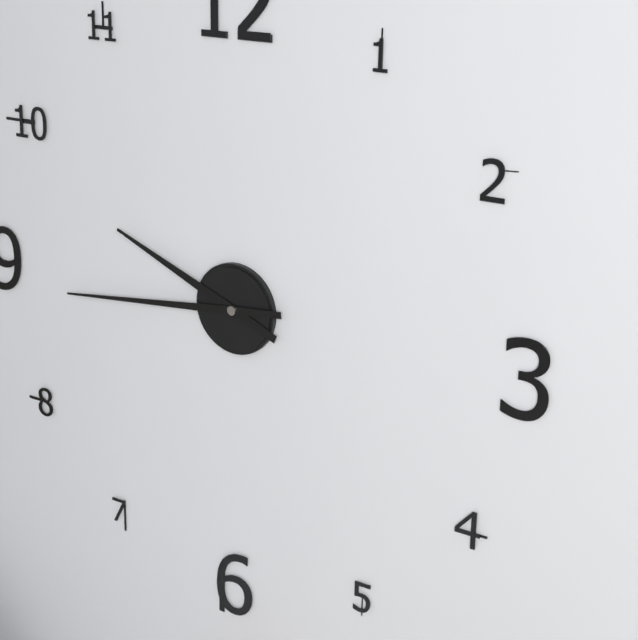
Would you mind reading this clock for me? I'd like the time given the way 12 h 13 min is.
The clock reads 9 h 44 min
